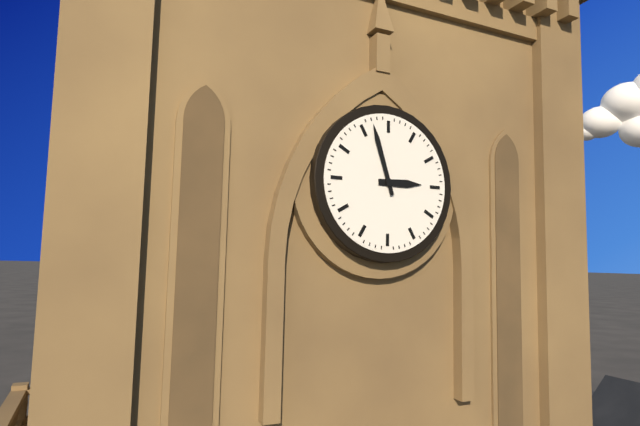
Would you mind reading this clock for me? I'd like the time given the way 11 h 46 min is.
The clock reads 2 h 57 min
